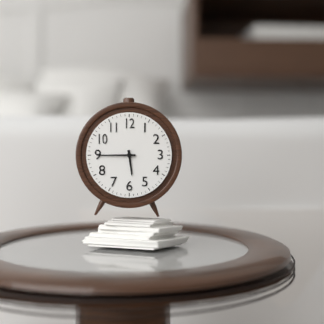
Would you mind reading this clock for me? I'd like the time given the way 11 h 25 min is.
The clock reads 5 h 45 min
